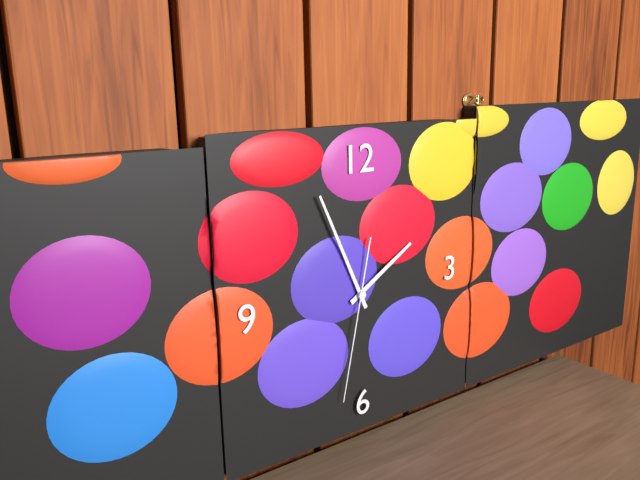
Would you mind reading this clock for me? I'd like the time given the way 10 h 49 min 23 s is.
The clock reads 1 h 56 min 32 s
